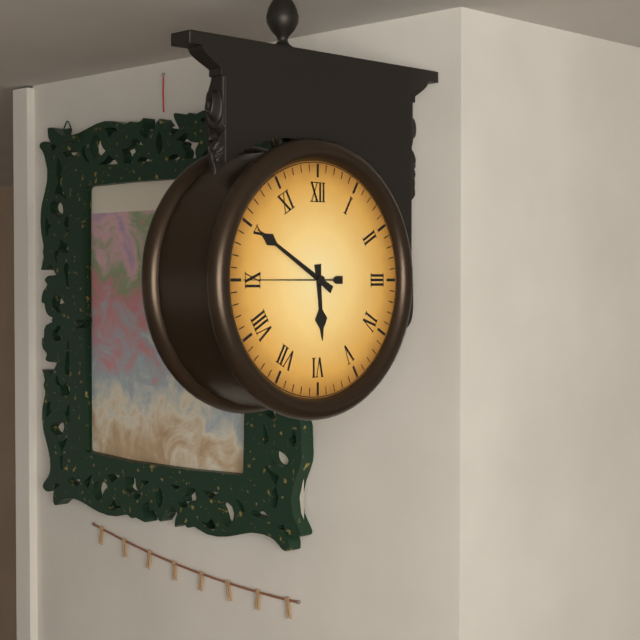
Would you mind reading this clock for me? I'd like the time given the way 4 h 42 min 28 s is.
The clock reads 5 h 50 min 45 s
